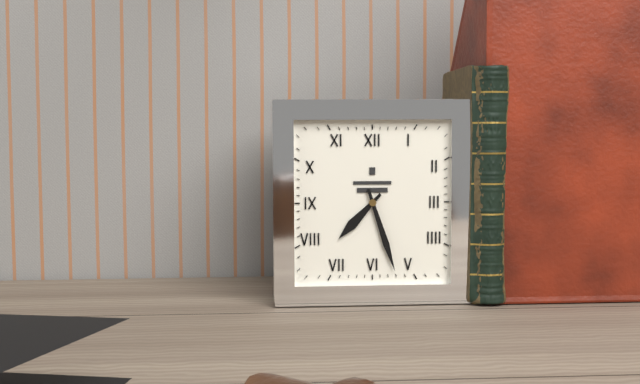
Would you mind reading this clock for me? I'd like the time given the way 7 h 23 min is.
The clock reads 7 h 27 min
